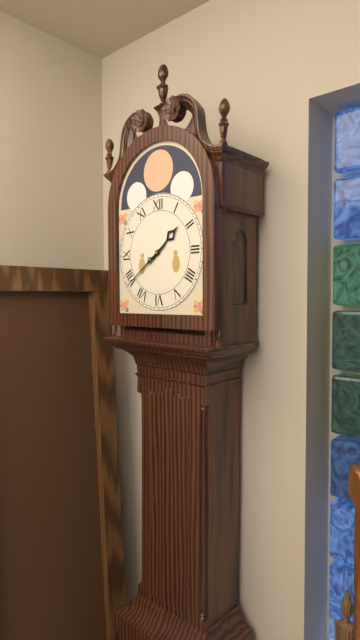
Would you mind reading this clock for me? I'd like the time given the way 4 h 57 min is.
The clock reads 1 h 39 min
